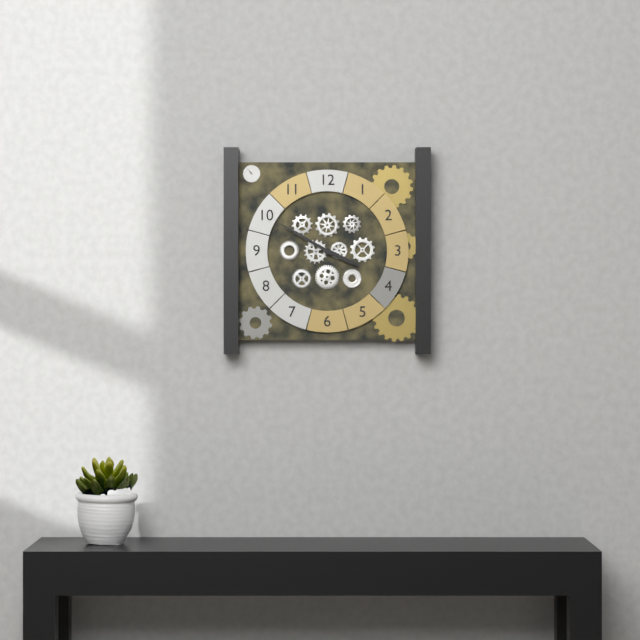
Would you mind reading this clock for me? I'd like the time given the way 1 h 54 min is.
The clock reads 3 h 50 min
